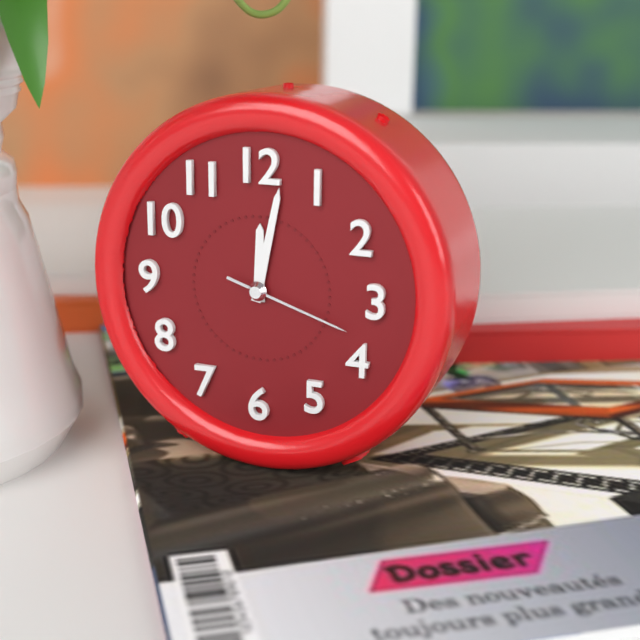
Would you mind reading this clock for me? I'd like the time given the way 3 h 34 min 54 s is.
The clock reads 12 h 02 min 18 s
